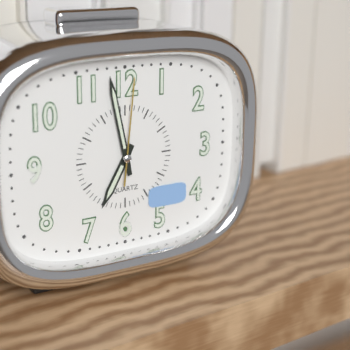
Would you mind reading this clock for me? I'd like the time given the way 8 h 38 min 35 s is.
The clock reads 6 h 58 min 01 s
